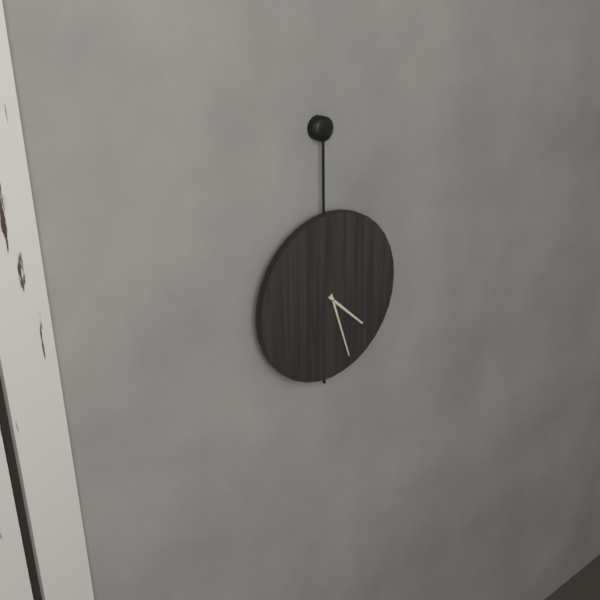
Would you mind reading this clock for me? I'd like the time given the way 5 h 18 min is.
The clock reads 4 h 27 min
